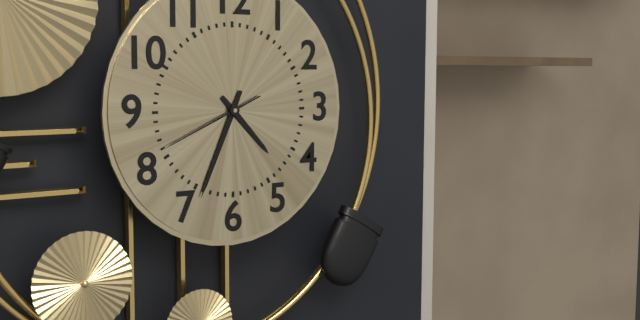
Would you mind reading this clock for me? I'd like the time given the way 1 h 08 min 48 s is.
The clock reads 4 h 34 min 41 s
